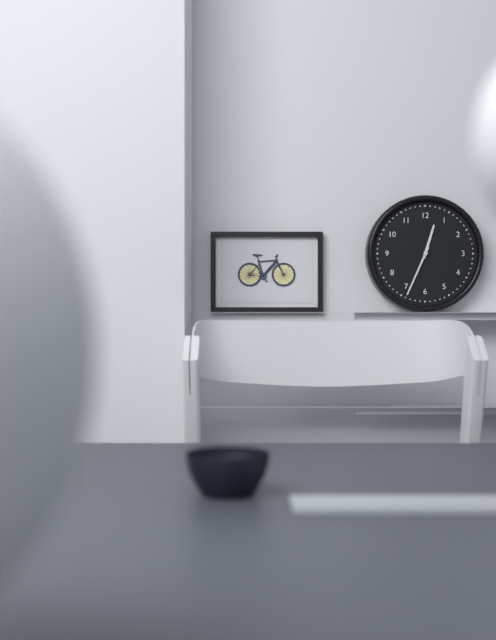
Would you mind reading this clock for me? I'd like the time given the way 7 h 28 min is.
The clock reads 12 h 34 min
